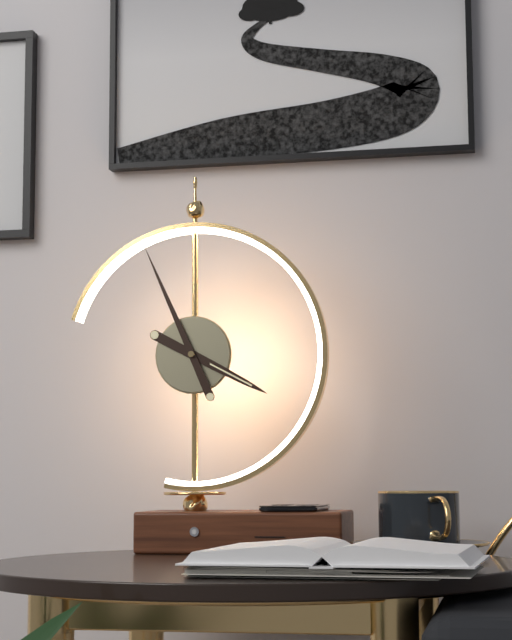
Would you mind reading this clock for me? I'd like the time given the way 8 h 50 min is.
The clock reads 3 h 56 min
